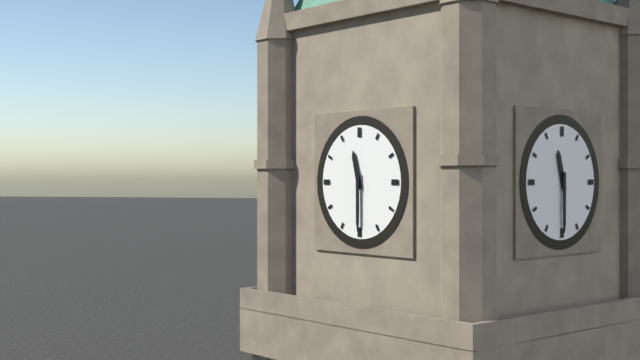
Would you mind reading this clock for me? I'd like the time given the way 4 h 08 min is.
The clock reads 11 h 30 min
